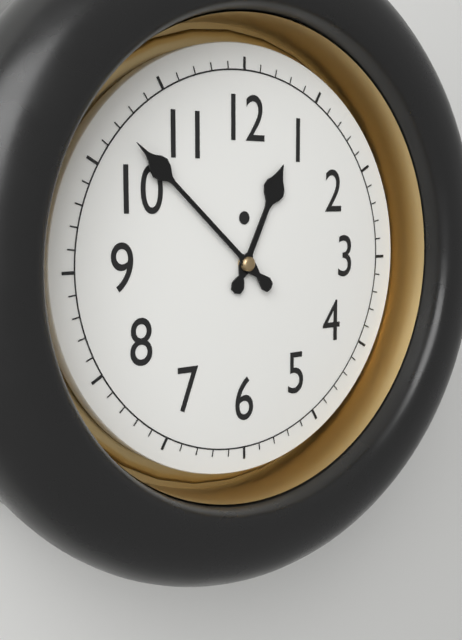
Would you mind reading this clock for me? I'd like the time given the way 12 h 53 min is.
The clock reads 12 h 52 min
